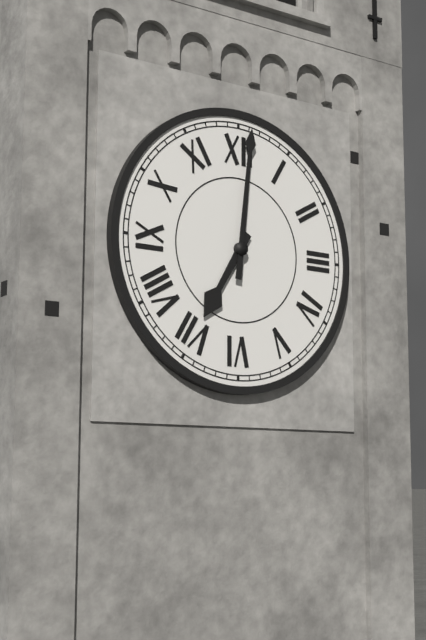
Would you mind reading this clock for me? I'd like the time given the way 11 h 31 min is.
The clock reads 7 h 01 min
